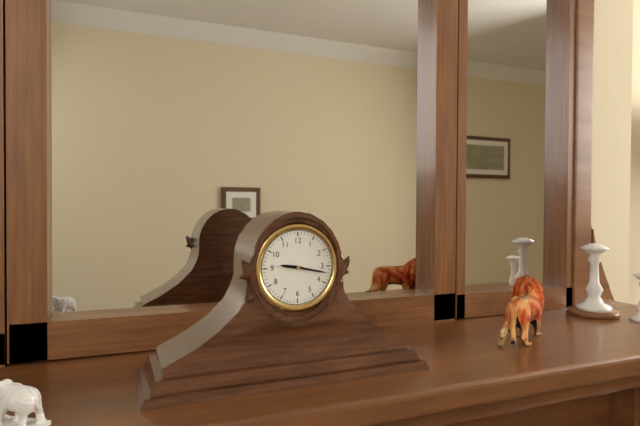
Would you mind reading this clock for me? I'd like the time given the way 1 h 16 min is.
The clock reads 9 h 17 min
